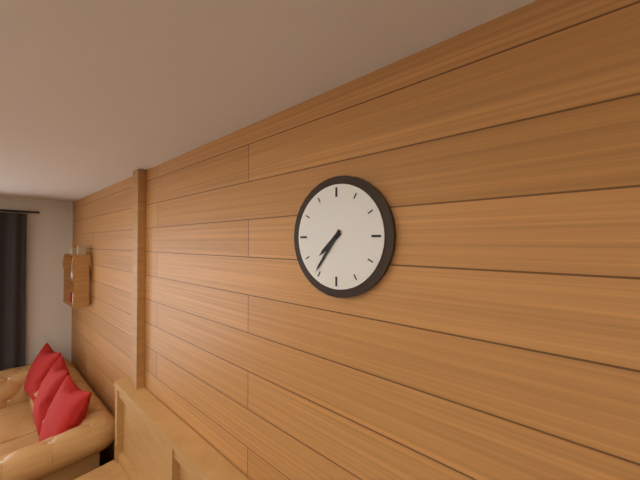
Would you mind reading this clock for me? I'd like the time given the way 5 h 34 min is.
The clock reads 7 h 36 min
